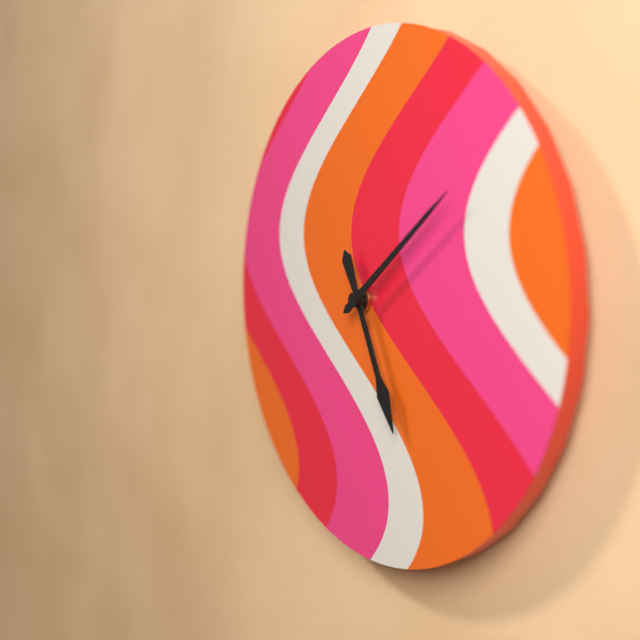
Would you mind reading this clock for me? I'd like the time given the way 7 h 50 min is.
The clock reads 5 h 09 min
